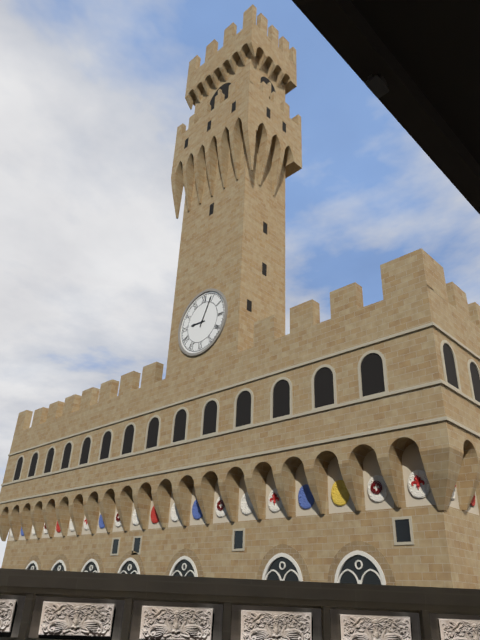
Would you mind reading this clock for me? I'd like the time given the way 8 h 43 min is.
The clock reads 9 h 04 min
